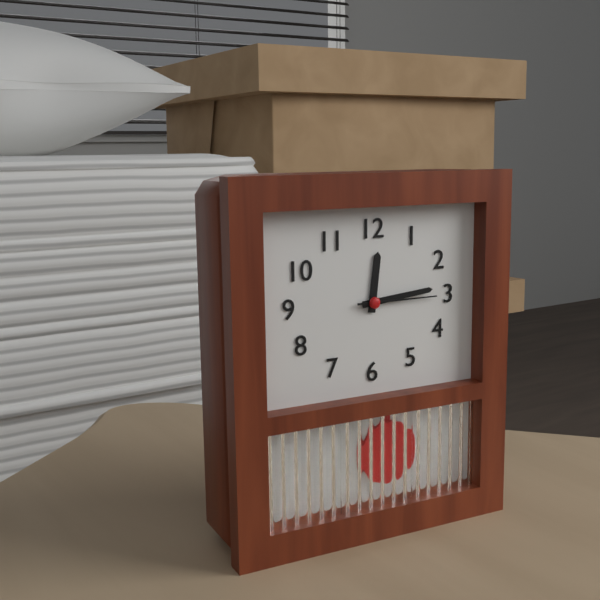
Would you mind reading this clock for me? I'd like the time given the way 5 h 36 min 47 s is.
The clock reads 12 h 14 min 15 s
